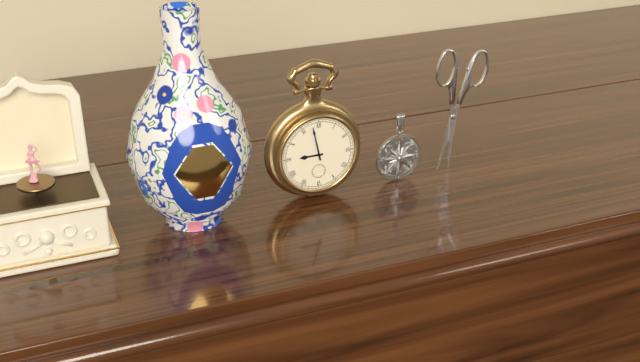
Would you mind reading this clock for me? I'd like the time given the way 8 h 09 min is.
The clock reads 8 h 58 min
